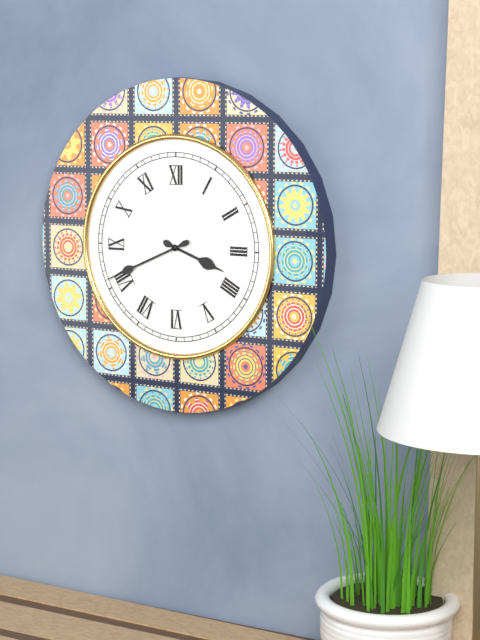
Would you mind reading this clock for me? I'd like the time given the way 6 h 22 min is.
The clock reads 3 h 41 min
